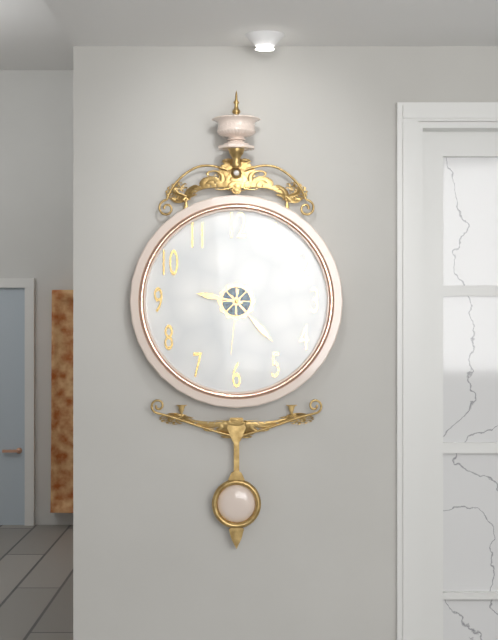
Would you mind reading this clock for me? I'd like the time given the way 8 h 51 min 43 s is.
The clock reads 9 h 23 min 31 s
